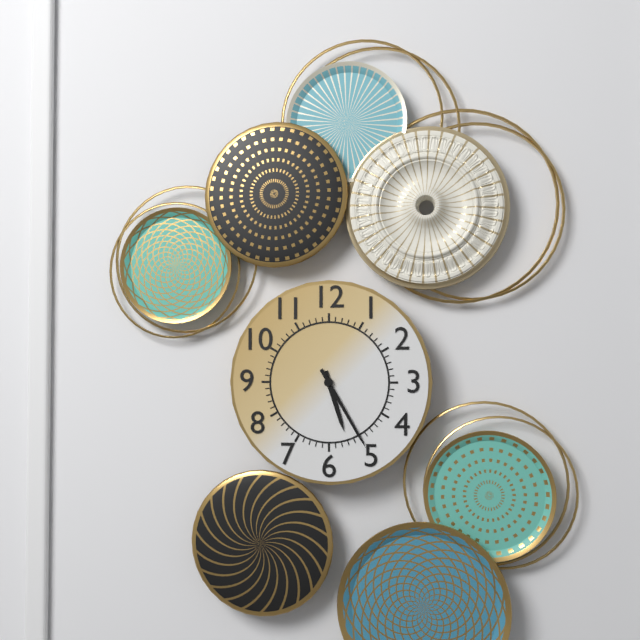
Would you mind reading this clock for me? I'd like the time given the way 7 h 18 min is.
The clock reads 5 h 25 min
